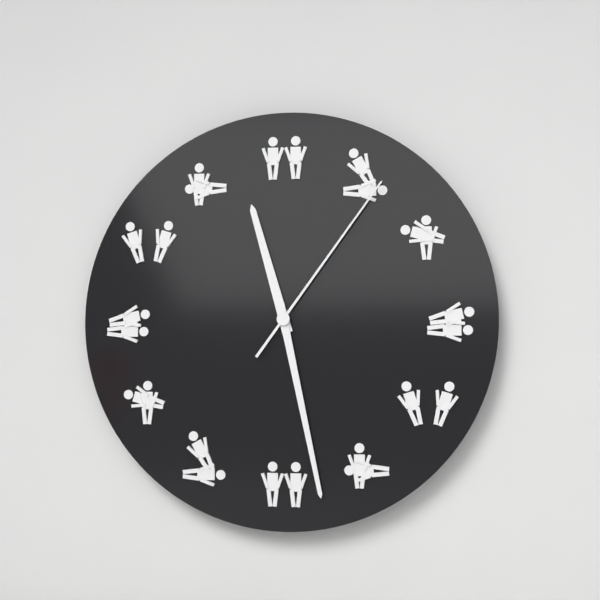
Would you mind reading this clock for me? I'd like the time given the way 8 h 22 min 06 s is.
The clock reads 11 h 28 min 06 s
